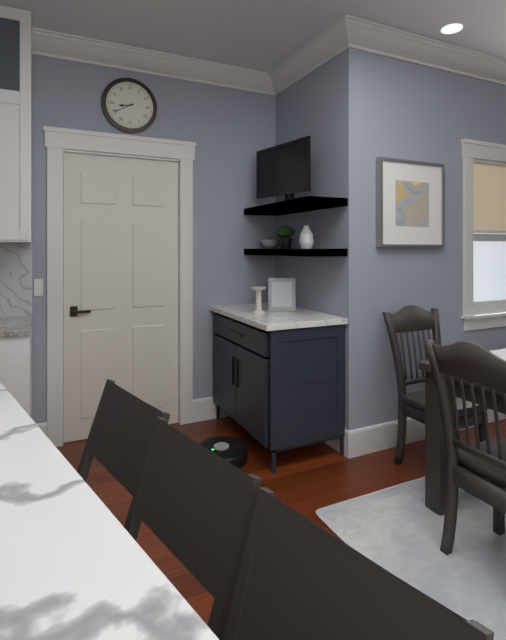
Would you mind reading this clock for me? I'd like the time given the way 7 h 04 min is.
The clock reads 8 h 40 min
